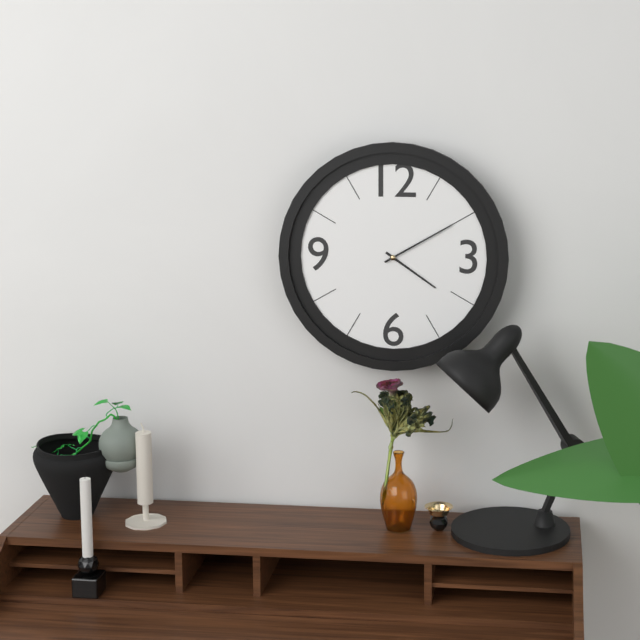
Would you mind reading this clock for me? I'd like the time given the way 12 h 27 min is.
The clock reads 4 h 10 min
